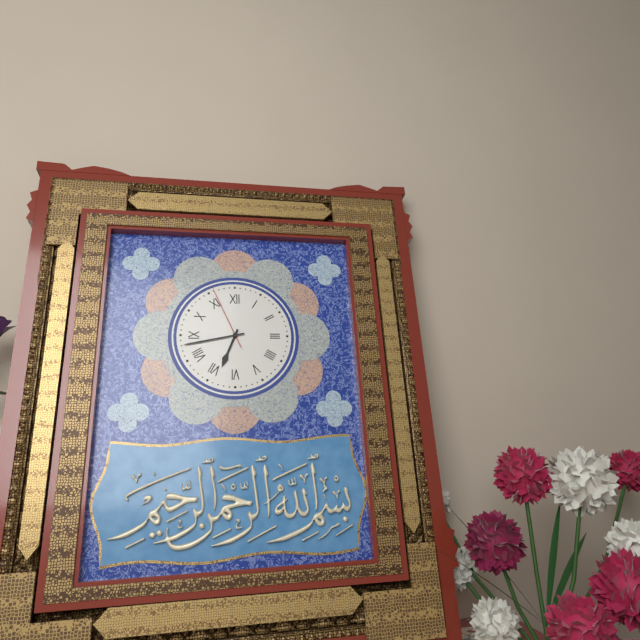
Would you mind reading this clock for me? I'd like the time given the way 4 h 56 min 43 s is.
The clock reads 6 h 43 min 56 s
